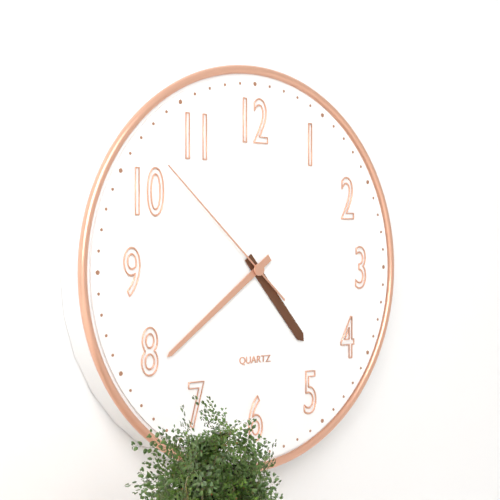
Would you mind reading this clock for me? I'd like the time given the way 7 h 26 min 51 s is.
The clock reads 4 h 39 min 52 s
